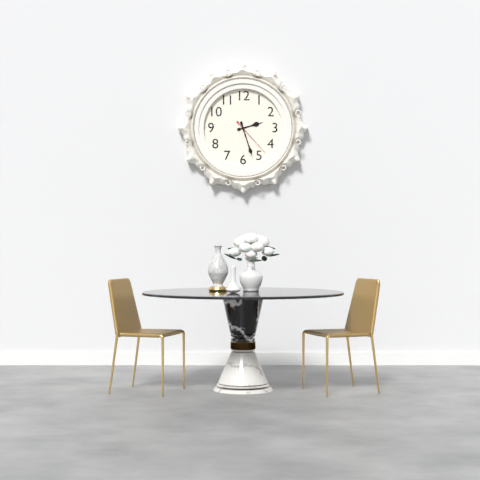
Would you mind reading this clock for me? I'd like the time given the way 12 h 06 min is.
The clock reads 2 h 27 min
